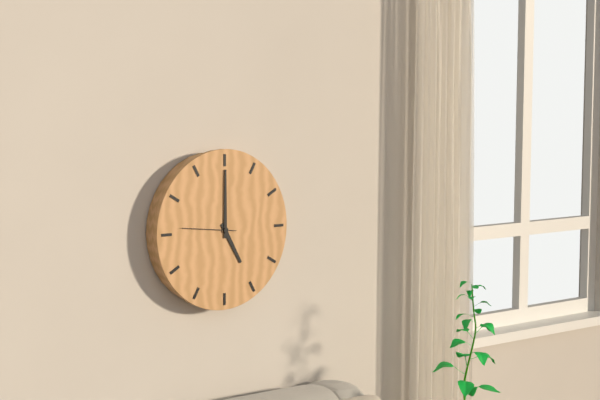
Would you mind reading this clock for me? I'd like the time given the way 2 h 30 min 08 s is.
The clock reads 5 h 00 min 46 s
